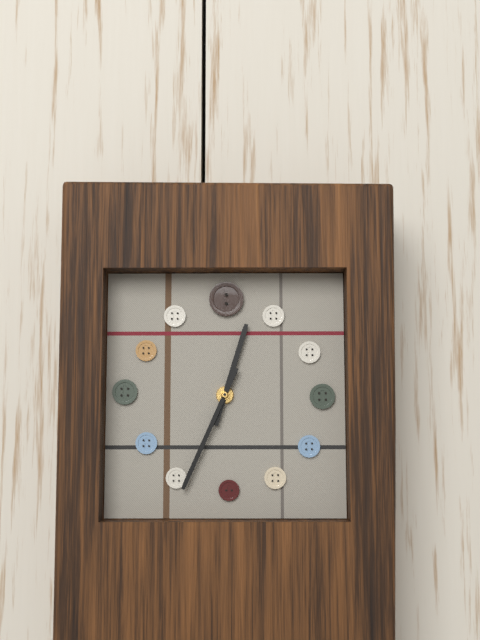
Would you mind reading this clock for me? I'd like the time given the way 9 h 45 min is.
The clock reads 12 h 34 min
